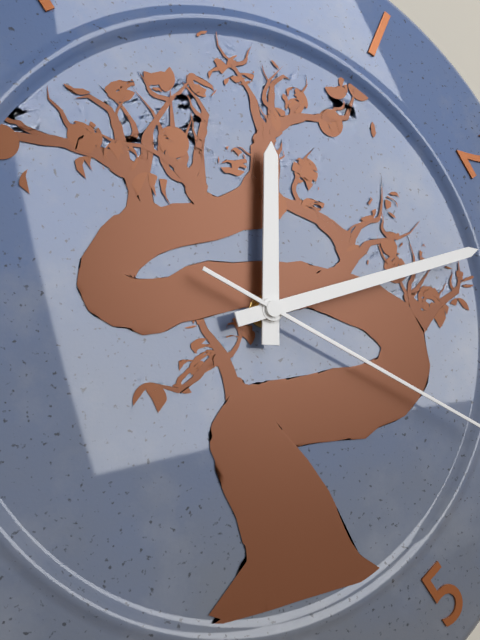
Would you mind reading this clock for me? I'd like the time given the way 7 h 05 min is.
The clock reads 12 h 13 min
